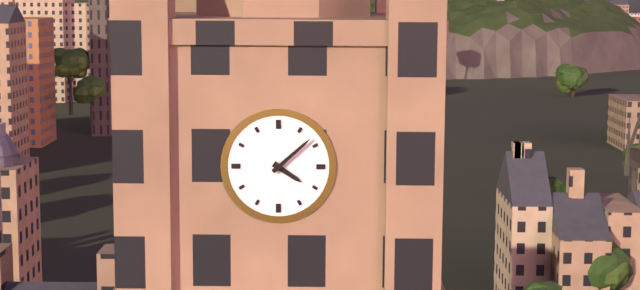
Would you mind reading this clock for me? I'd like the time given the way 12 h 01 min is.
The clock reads 4 h 08 min
